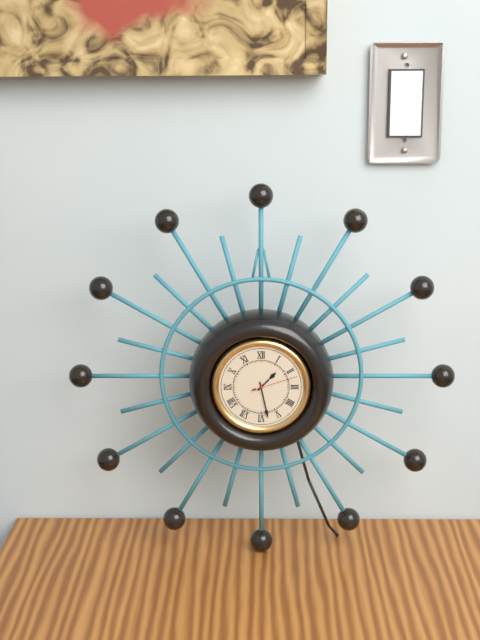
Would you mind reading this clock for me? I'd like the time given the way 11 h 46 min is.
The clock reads 1 h 28 min
